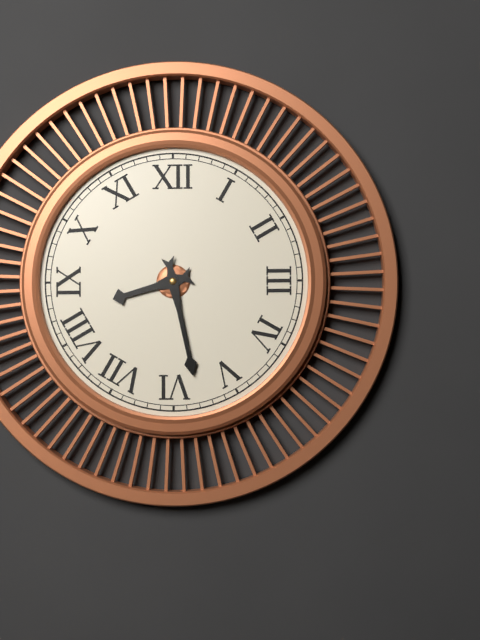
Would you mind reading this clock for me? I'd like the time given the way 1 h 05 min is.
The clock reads 8 h 28 min
